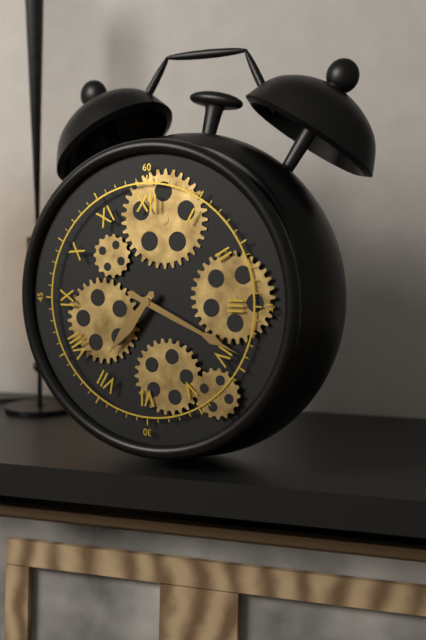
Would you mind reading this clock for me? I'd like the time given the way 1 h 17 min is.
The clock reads 7 h 19 min
